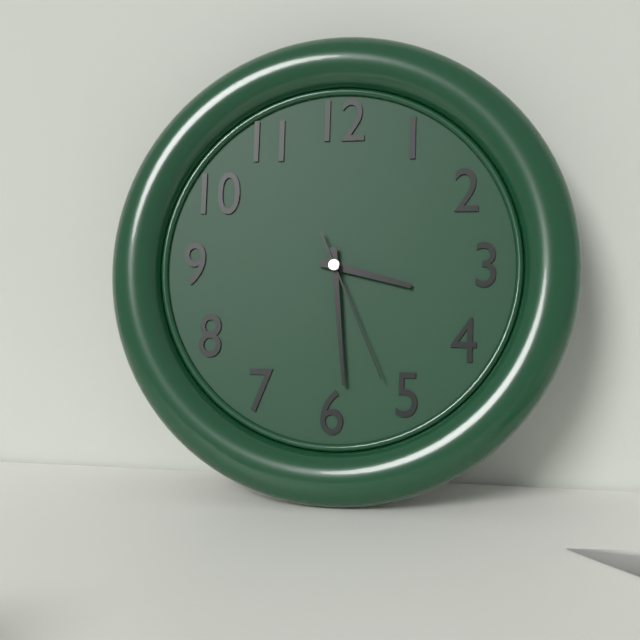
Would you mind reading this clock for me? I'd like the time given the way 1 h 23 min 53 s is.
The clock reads 3 h 29 min 26 s
